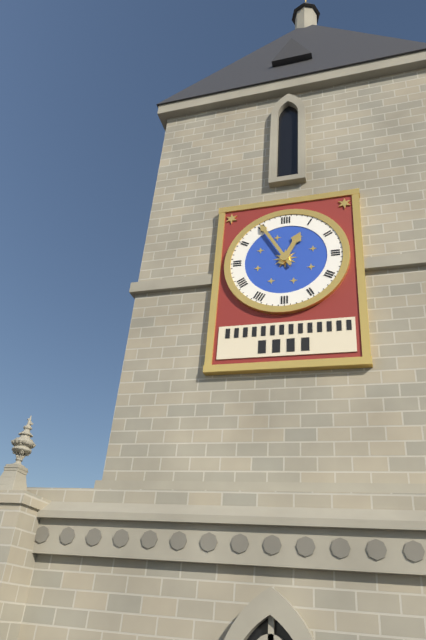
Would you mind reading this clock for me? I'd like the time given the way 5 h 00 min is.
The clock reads 12 h 55 min
